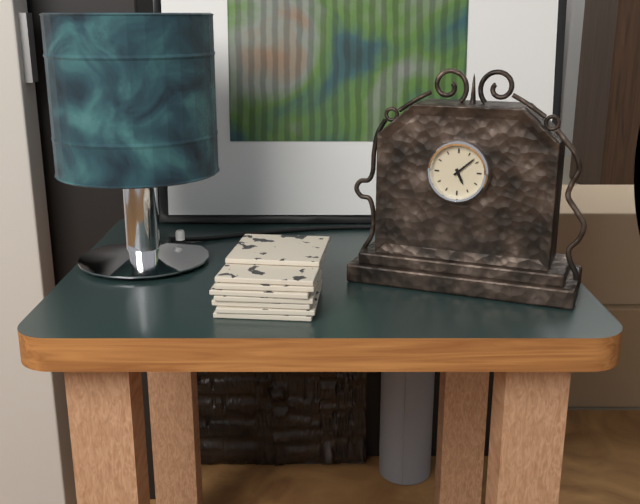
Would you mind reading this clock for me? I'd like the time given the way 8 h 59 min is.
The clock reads 5 h 08 min
